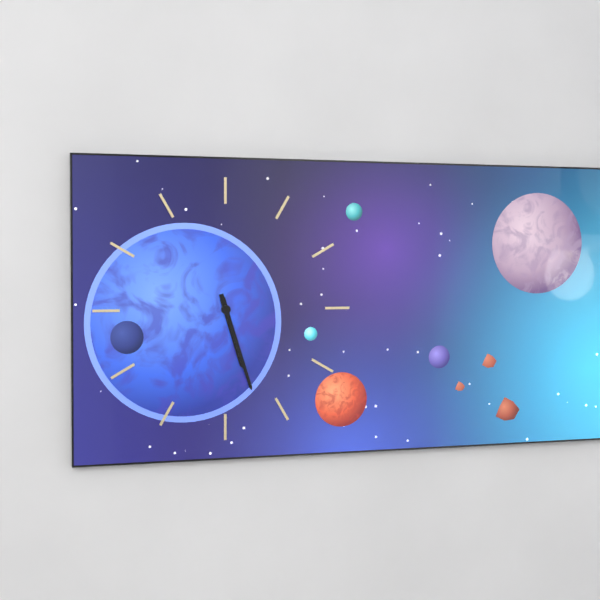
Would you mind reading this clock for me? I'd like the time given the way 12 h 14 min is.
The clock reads 5 h 27 min
